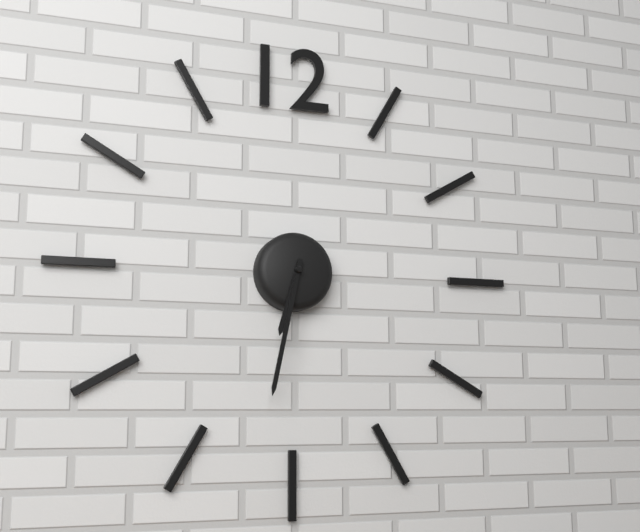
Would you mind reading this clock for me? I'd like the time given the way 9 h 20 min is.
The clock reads 6 h 32 min
